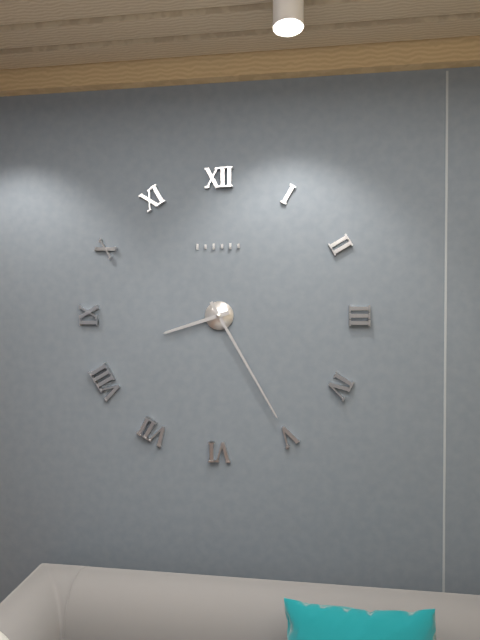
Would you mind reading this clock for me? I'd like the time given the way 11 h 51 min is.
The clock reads 8 h 25 min
